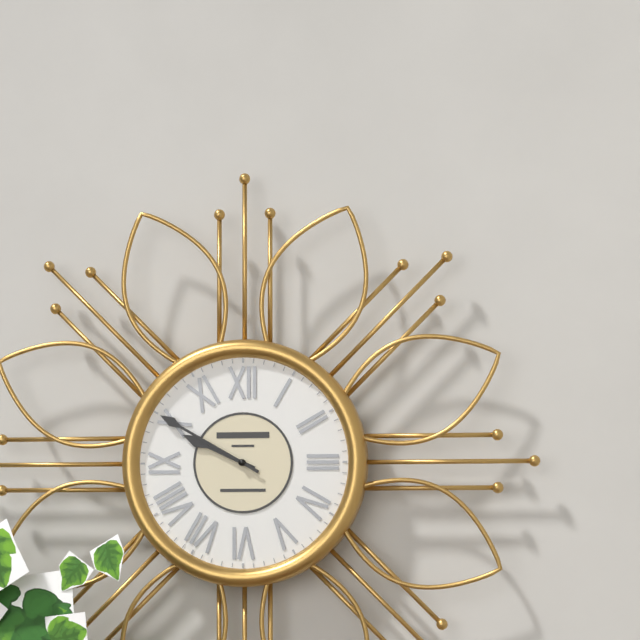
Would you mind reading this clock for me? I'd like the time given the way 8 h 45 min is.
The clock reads 9 h 50 min
